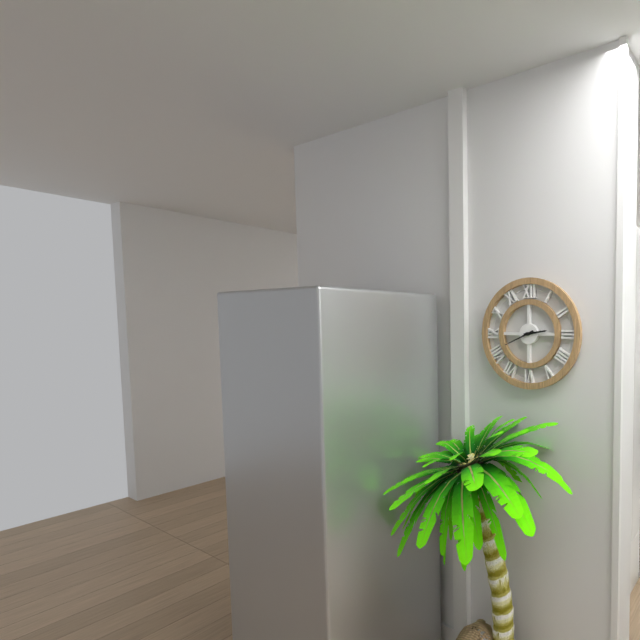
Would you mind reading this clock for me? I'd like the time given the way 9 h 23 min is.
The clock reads 2 h 41 min
